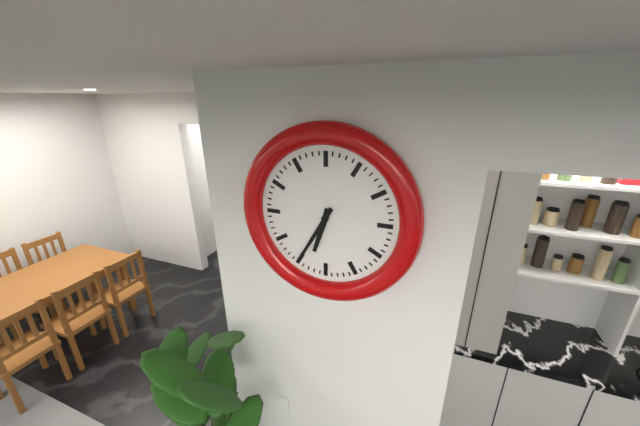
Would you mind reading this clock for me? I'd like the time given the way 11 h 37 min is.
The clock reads 6 h 35 min
